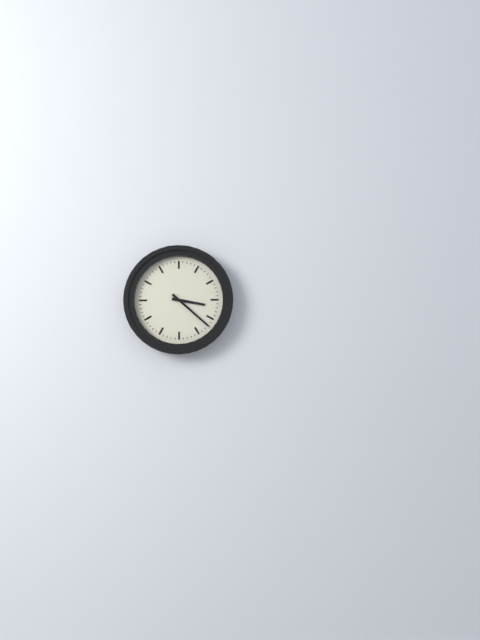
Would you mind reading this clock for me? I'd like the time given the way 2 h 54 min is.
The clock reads 3 h 22 min
